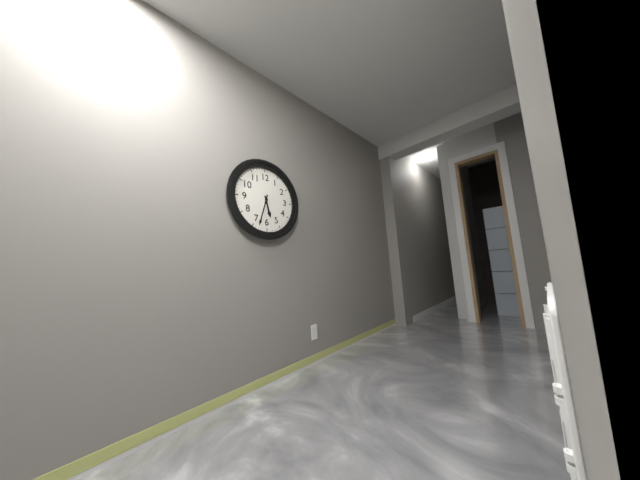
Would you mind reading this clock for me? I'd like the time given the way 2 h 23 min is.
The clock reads 5 h 33 min
